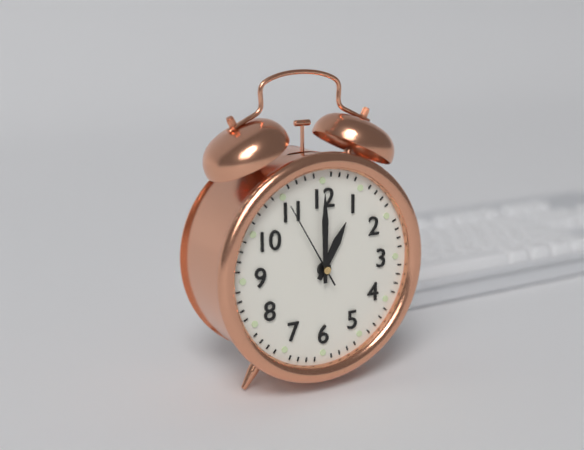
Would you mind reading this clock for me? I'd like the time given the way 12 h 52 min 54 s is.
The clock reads 1 h 00 min 55 s
